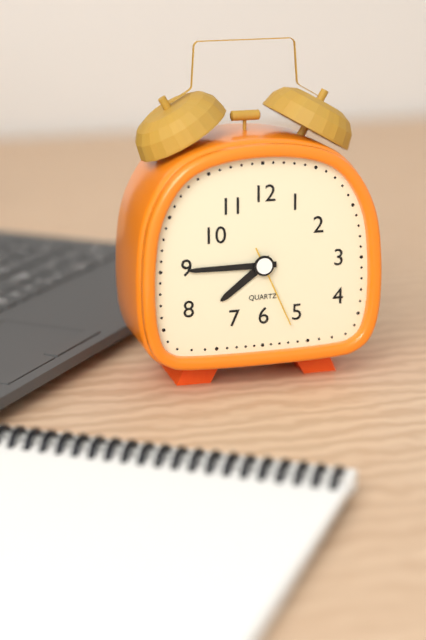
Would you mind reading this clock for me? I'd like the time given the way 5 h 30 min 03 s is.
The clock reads 7 h 45 min 26 s
